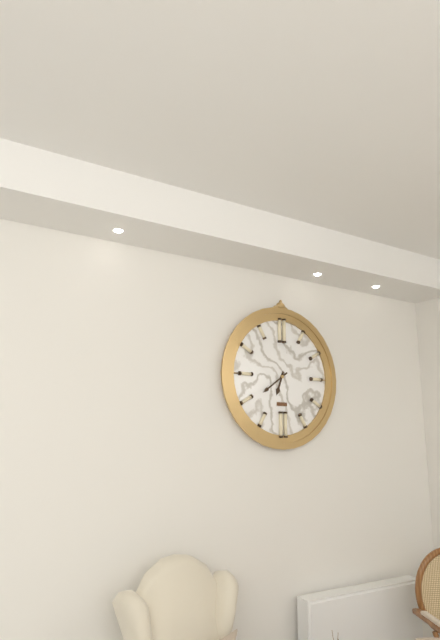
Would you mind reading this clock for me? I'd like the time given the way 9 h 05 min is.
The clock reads 6 h 39 min
